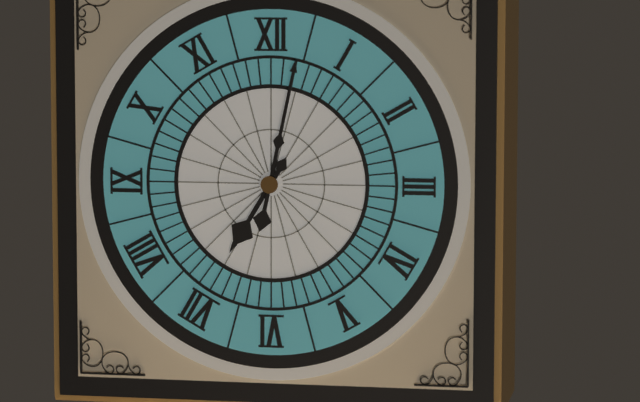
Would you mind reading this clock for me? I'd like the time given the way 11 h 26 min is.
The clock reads 7 h 02 min
